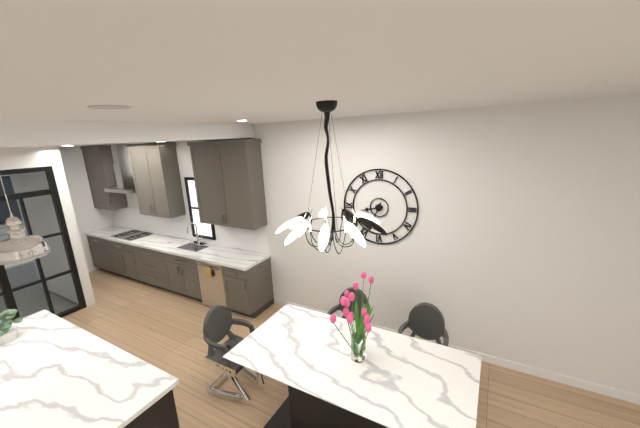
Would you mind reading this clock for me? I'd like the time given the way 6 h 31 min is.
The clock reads 8 h 34 min
